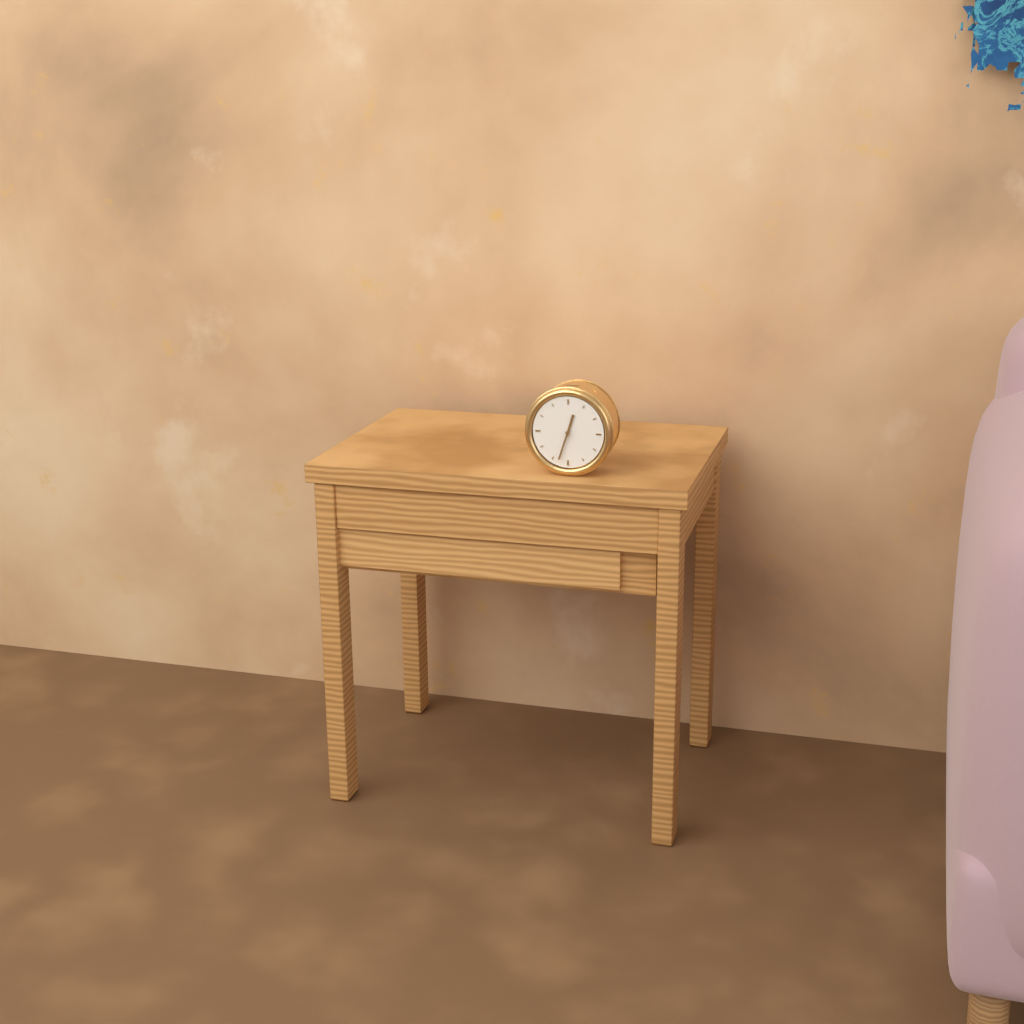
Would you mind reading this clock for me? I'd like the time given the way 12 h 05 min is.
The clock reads 12 h 33 min
